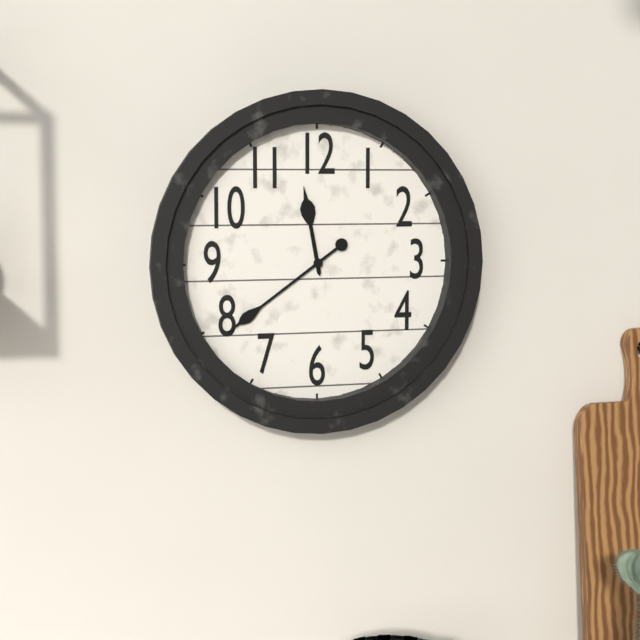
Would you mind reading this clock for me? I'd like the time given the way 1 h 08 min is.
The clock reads 11 h 39 min
